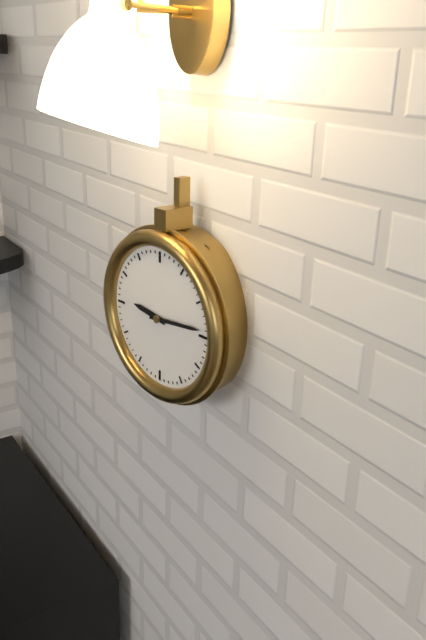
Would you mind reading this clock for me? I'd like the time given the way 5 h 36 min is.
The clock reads 9 h 14 min
